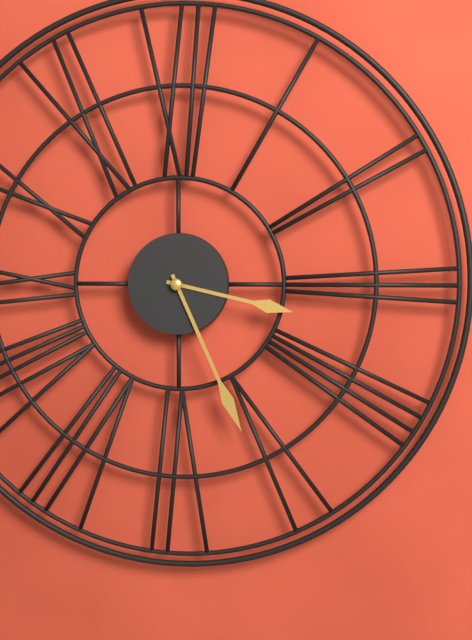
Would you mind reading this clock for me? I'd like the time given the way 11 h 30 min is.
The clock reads 3 h 26 min
